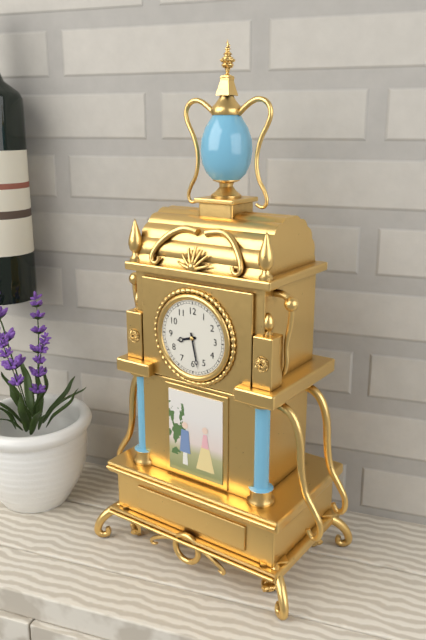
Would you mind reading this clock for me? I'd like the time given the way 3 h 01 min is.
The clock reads 8 h 28 min
